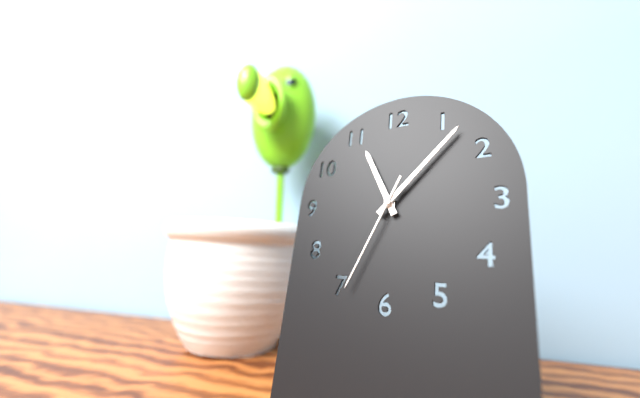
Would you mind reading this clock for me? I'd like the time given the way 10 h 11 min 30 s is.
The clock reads 11 h 07 min 34 s
